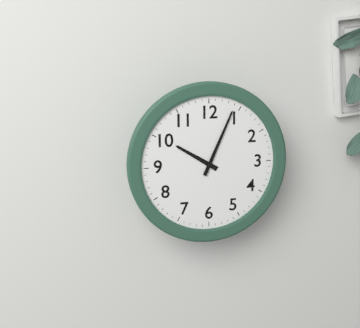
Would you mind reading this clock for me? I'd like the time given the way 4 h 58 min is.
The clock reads 10 h 04 min
